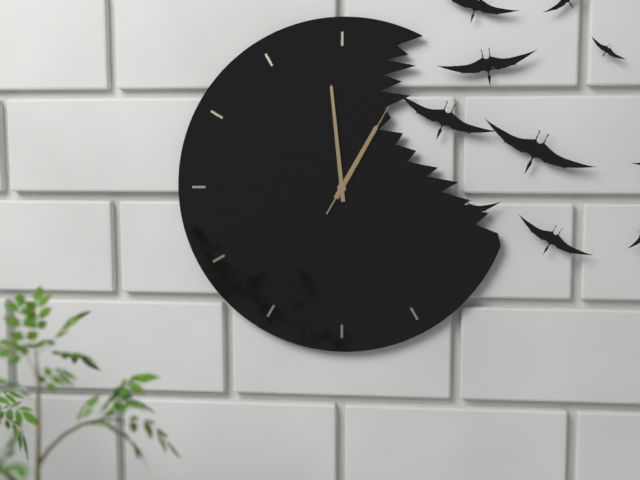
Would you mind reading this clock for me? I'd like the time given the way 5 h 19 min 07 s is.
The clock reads 12 h 59 min 05 s
